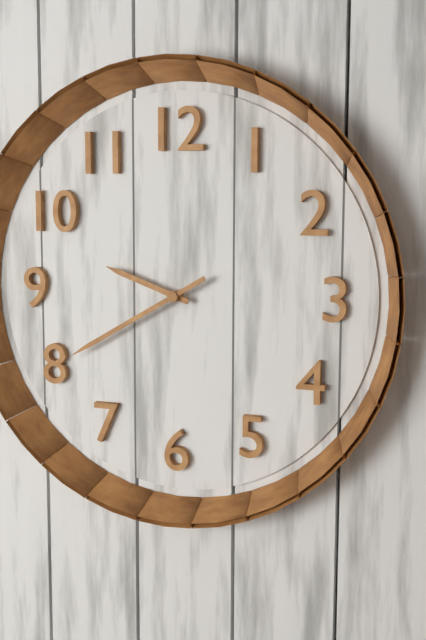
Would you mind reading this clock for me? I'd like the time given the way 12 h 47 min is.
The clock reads 9 h 40 min
